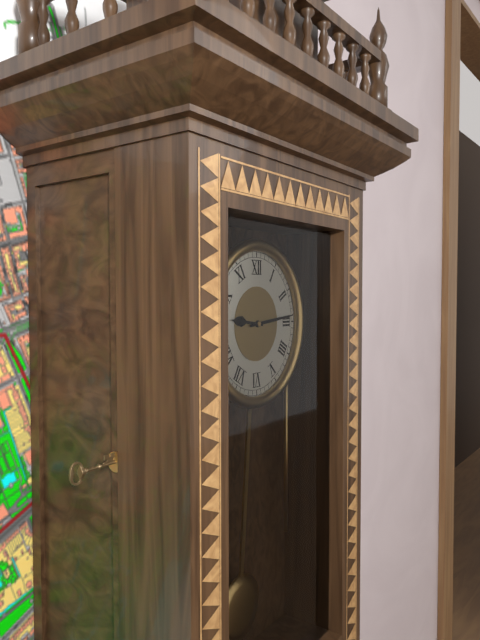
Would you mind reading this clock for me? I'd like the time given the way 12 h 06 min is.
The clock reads 9 h 14 min
